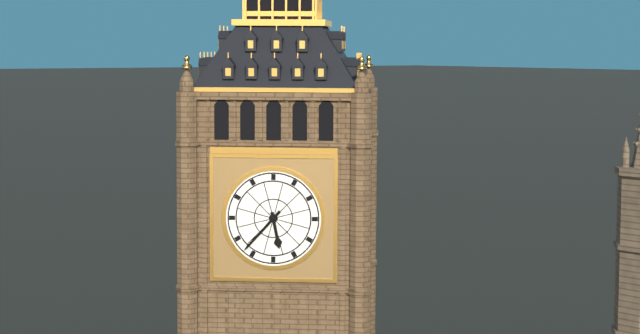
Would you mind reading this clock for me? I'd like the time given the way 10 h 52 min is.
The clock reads 5 h 37 min
